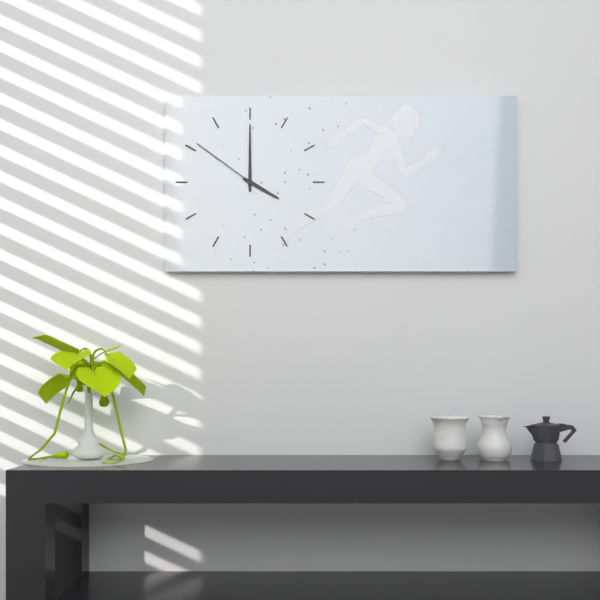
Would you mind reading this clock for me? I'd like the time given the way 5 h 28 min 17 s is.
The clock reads 4 h 00 min 51 s
